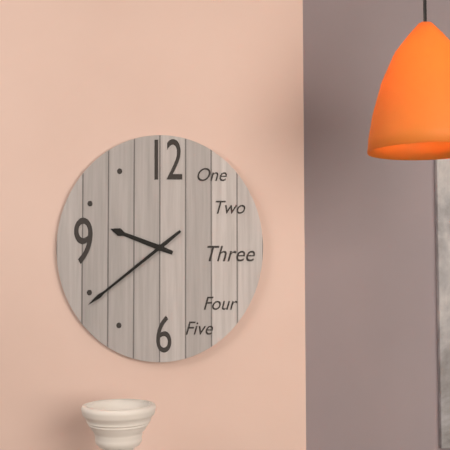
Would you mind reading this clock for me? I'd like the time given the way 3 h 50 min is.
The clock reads 9 h 39 min
